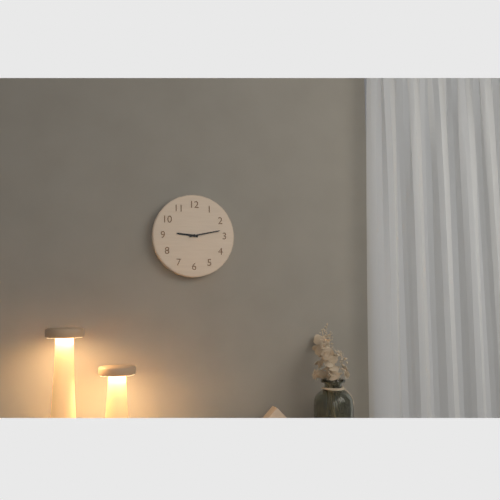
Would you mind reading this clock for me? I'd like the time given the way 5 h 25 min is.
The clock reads 9 h 13 min
